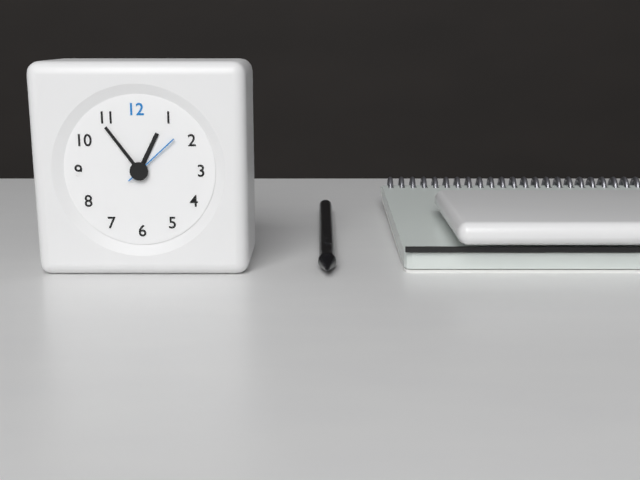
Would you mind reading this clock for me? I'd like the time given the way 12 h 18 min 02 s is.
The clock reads 12 h 54 min 08 s
